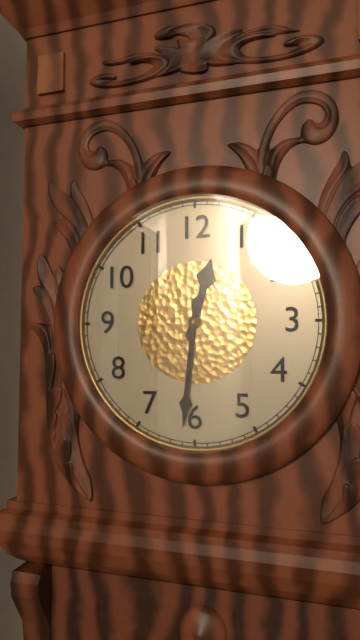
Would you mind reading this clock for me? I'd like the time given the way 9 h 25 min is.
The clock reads 12 h 31 min
